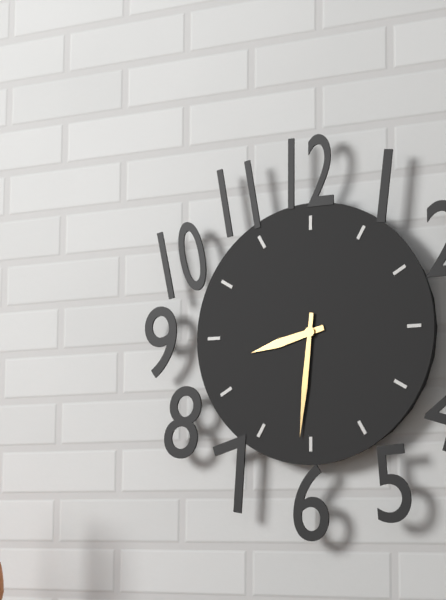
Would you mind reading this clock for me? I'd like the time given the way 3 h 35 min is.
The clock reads 8 h 31 min
